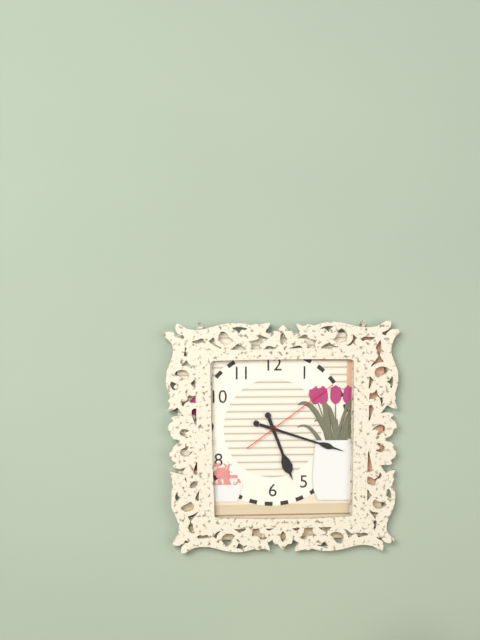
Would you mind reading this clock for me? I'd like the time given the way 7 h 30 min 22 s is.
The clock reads 5 h 18 min 09 s
